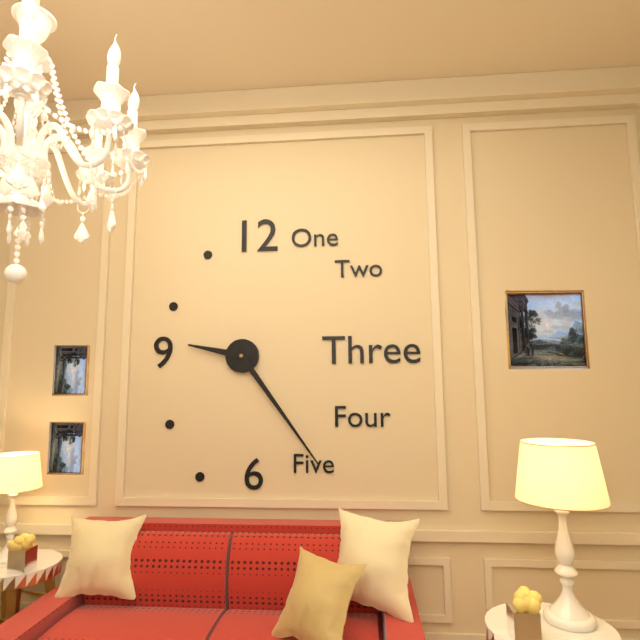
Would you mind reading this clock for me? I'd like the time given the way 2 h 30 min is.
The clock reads 9 h 24 min
